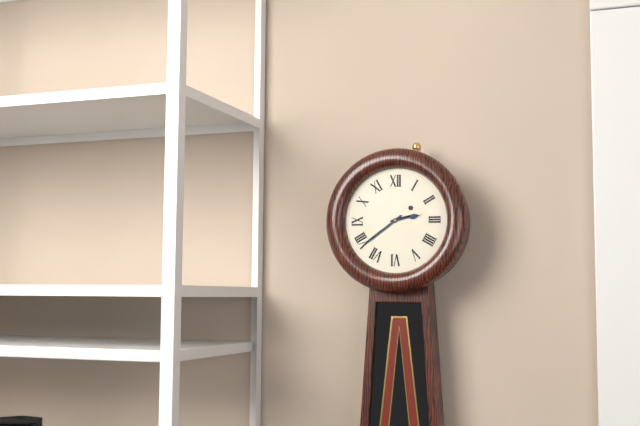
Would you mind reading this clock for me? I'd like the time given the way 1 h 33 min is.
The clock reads 2 h 39 min
